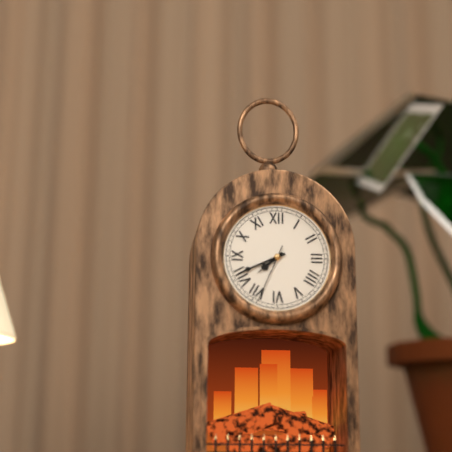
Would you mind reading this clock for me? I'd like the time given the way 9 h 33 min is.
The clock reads 7 h 41 min
